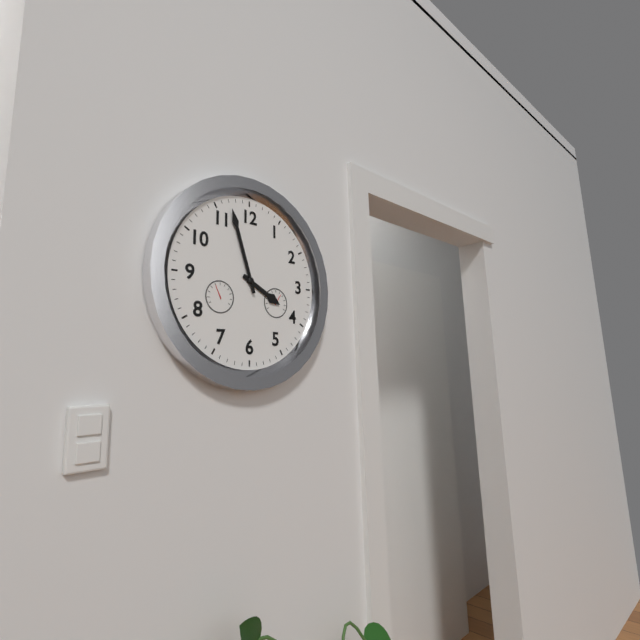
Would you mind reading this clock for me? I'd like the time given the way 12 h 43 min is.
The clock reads 3 h 57 min
